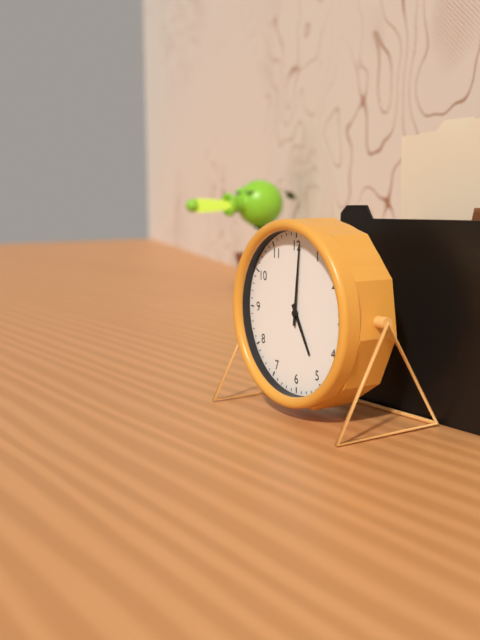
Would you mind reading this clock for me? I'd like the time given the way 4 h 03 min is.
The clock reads 5 h 01 min
